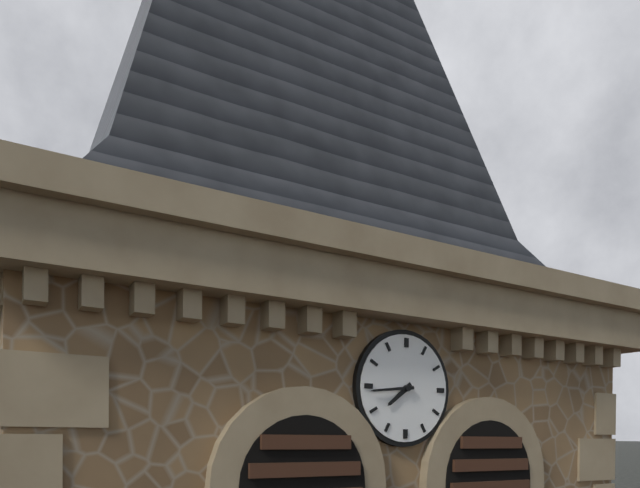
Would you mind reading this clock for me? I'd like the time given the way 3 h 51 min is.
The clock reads 7 h 44 min
